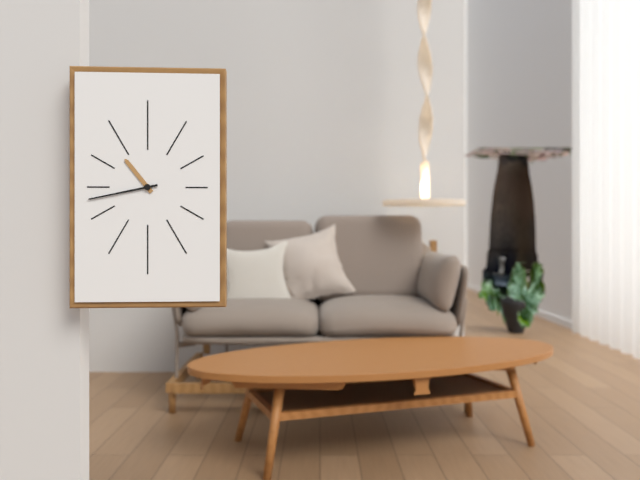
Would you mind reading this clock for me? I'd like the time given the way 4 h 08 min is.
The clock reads 10 h 43 min
